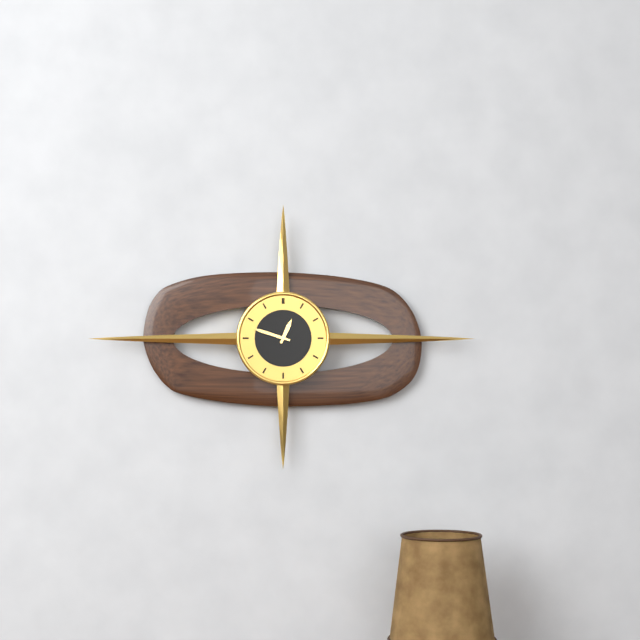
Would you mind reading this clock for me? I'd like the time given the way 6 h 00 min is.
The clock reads 12 h 48 min
